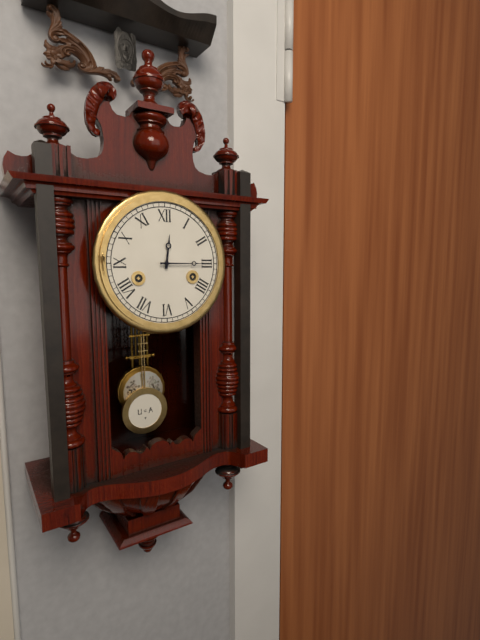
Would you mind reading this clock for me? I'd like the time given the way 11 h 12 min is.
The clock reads 12 h 15 min
